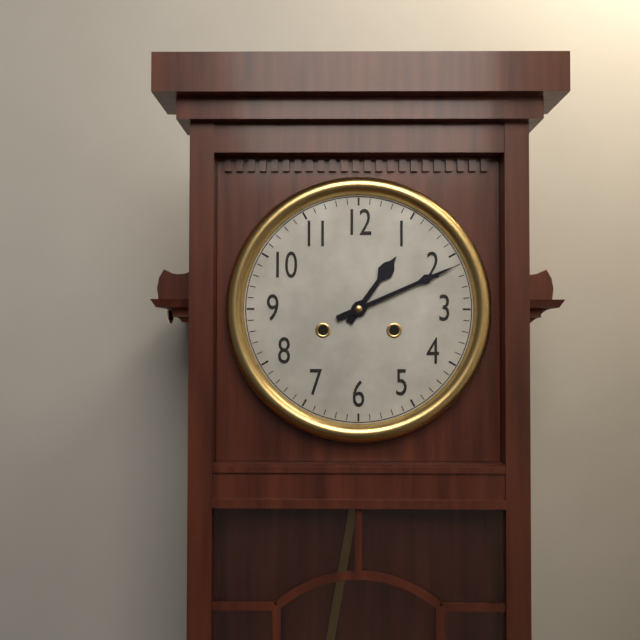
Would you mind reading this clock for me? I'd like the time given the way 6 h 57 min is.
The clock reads 1 h 11 min
